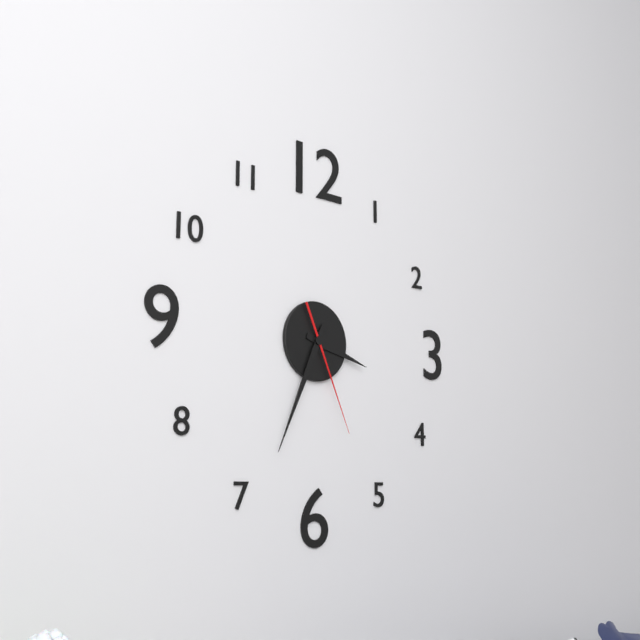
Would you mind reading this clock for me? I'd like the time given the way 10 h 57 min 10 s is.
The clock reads 3 h 34 min 26 s
